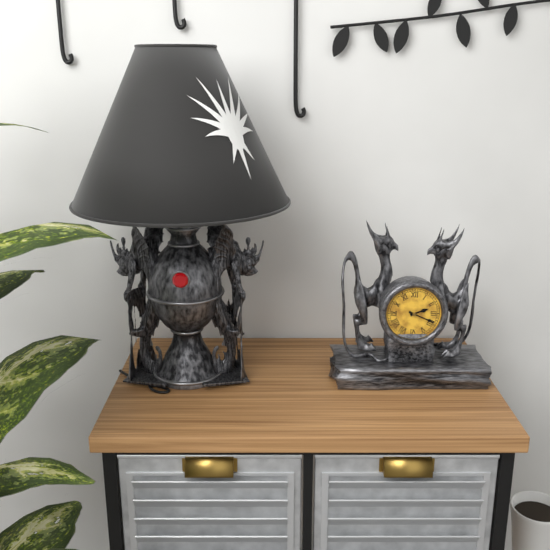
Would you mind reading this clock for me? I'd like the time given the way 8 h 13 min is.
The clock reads 2 h 19 min
